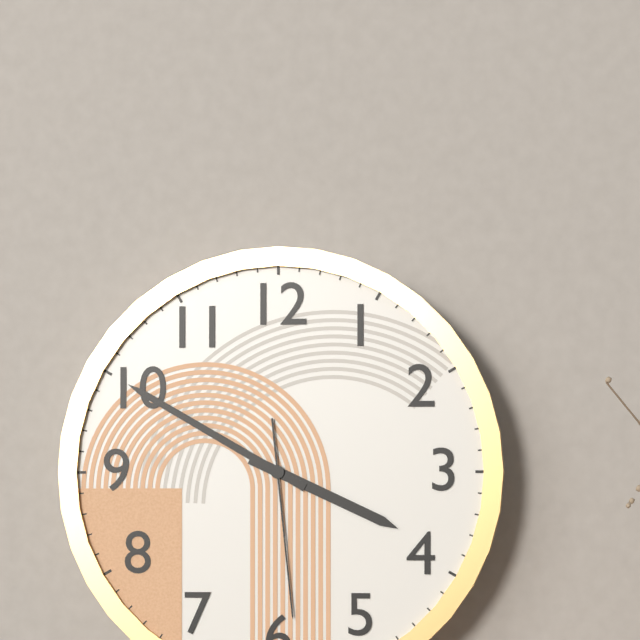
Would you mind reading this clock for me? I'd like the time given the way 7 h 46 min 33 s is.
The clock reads 3 h 50 min 29 s
